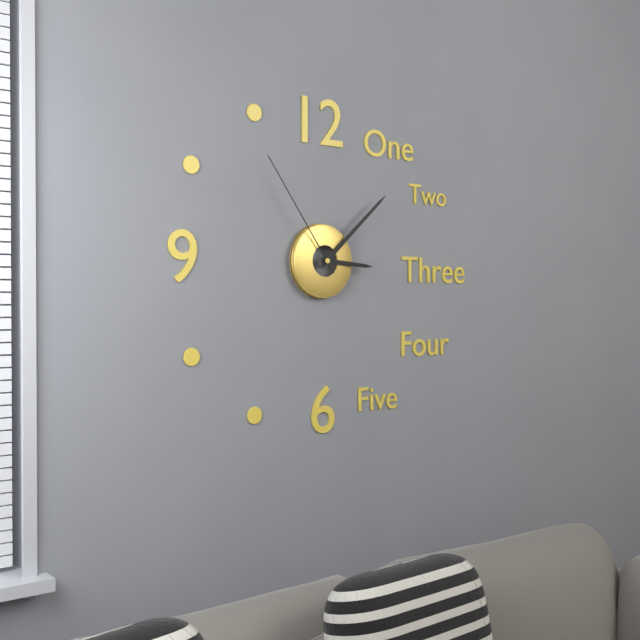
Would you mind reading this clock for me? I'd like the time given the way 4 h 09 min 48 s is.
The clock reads 3 h 08 min 54 s
